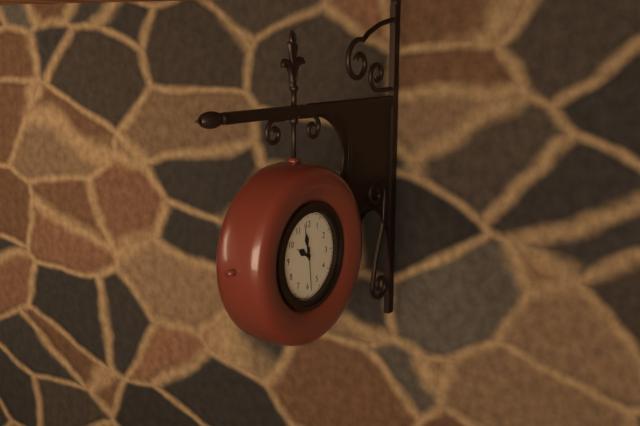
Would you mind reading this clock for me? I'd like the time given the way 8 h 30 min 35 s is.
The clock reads 9 h 58 min 29 s
